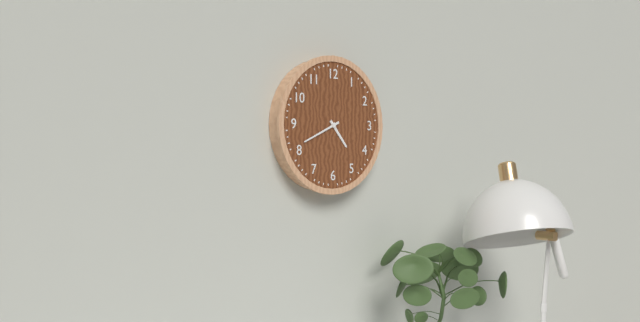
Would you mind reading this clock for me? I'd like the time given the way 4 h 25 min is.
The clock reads 4 h 41 min
